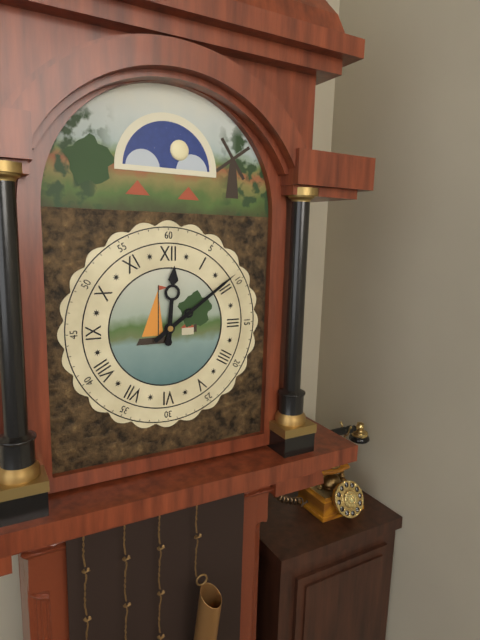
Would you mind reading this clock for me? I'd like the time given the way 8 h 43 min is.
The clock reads 12 h 09 min
